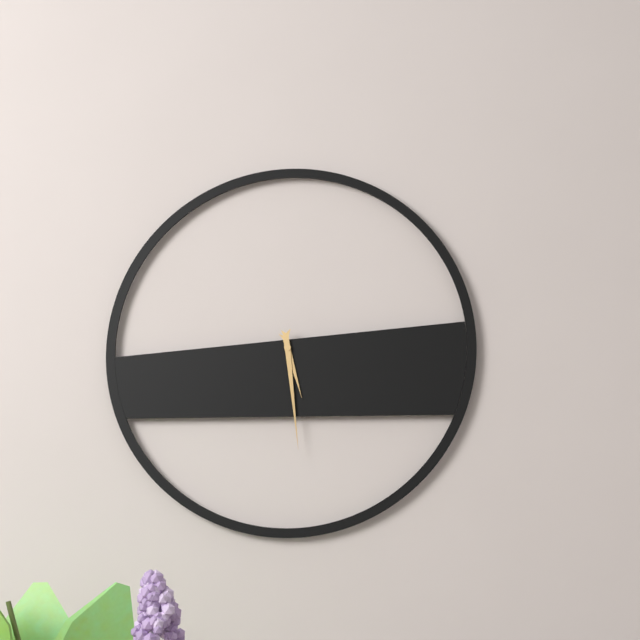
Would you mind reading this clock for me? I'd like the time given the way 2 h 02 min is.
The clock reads 5 h 29 min
